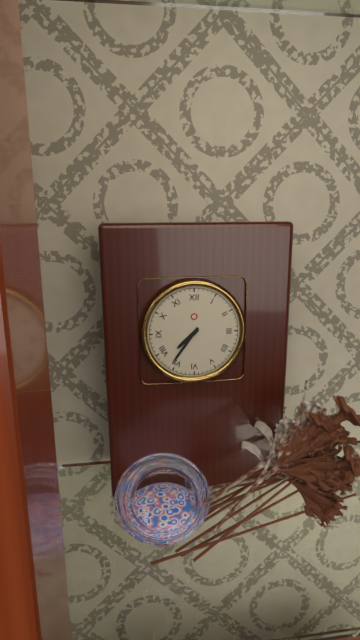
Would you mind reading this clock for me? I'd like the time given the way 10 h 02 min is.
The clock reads 7 h 36 min
